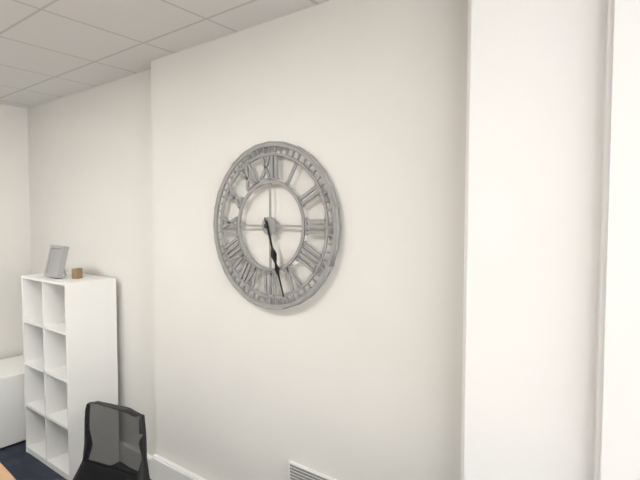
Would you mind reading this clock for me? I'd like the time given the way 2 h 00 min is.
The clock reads 5 h 27 min
